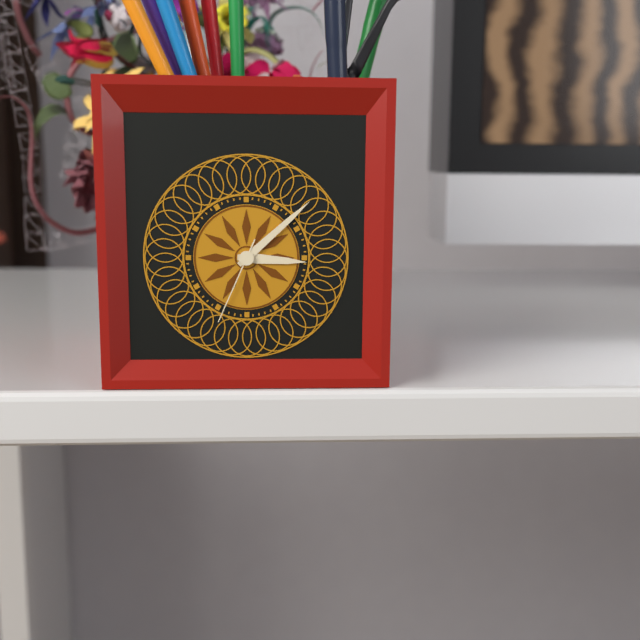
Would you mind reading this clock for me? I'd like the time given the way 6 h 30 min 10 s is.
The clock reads 3 h 08 min 34 s
